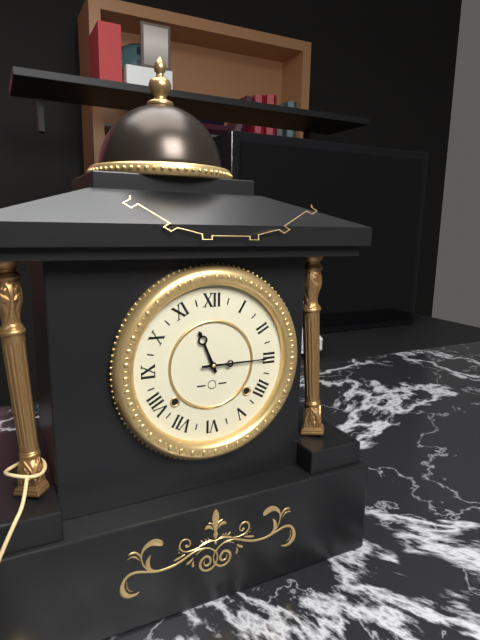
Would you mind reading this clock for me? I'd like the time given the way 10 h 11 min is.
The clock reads 11 h 15 min
